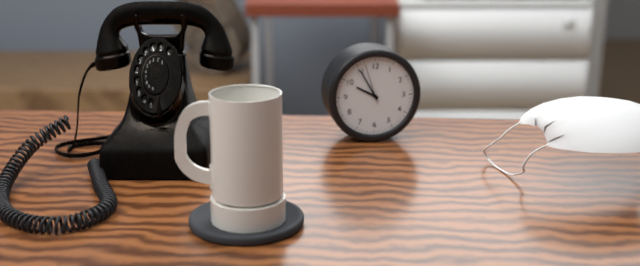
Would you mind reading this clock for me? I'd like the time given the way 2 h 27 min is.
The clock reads 9 h 55 min
